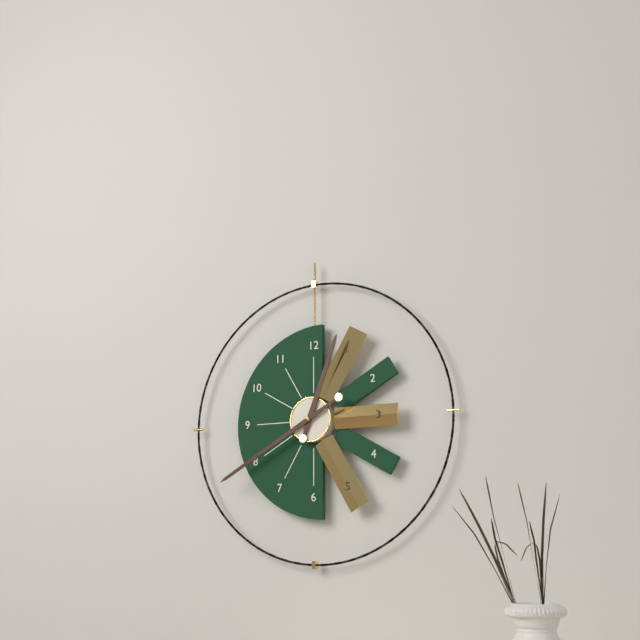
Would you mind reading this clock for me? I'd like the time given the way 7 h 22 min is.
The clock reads 12 h 40 min
